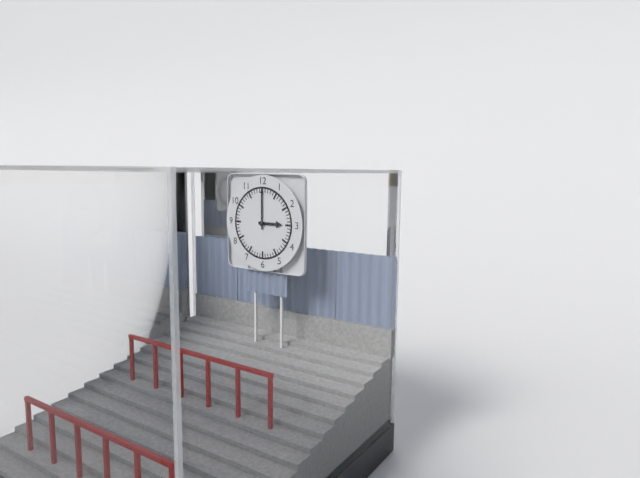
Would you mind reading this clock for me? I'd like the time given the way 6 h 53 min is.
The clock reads 3 h 00 min
